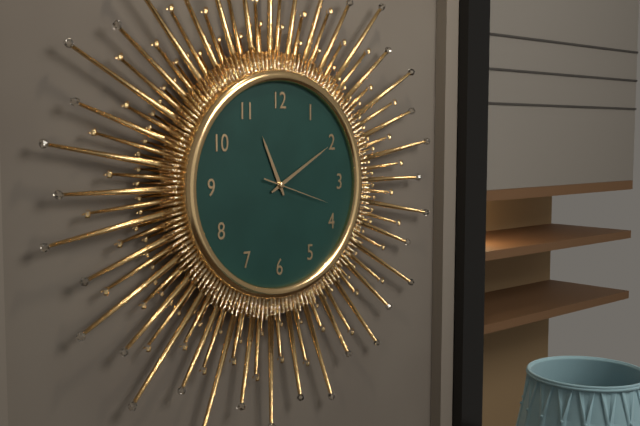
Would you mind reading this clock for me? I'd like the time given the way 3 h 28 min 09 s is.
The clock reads 11 h 10 min 18 s
